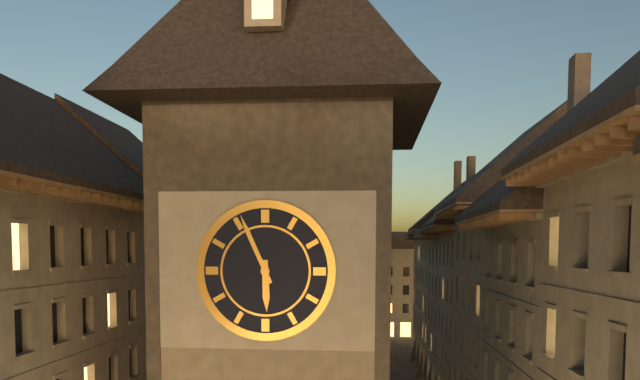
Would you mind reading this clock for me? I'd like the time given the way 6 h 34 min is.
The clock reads 5 h 56 min
